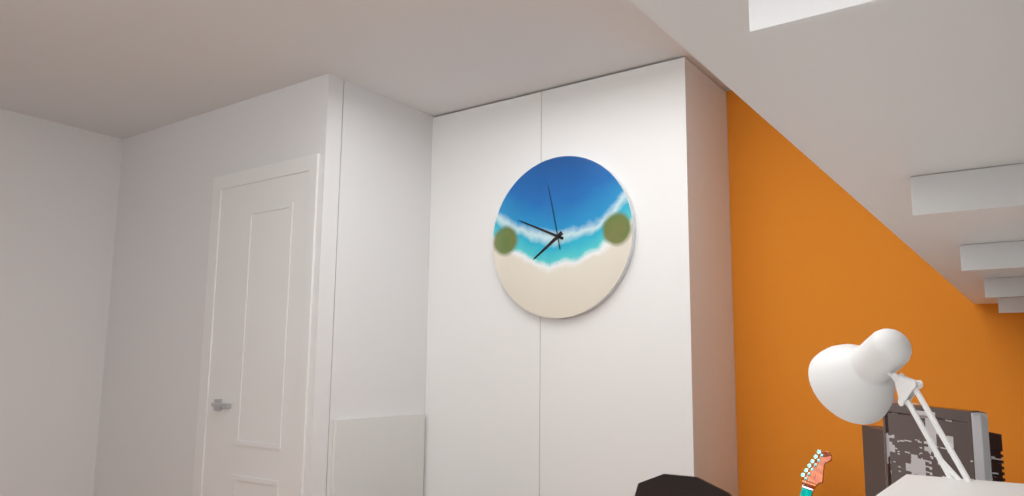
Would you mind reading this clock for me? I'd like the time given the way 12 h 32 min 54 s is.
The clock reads 7 h 49 min 58 s
